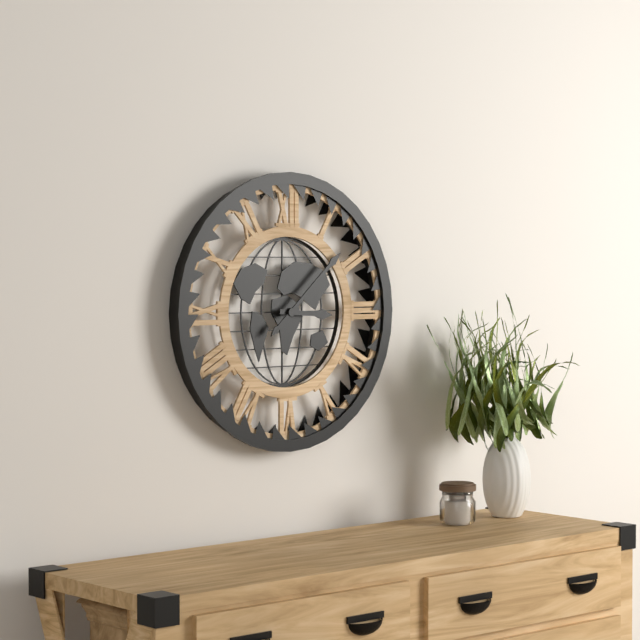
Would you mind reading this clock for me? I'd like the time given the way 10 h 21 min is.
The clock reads 3 h 08 min
